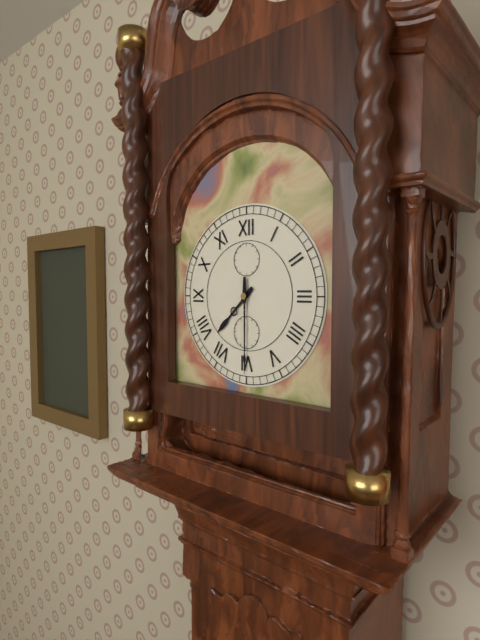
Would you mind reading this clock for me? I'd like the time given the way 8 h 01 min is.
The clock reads 7 h 30 min
